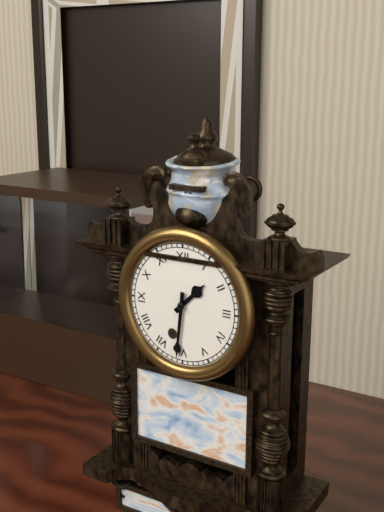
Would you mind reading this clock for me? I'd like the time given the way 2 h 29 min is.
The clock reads 1 h 31 min
